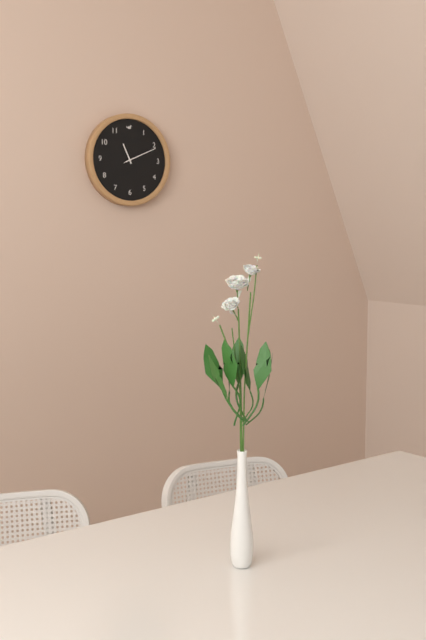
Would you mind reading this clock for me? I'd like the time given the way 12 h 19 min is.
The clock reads 11 h 11 min
